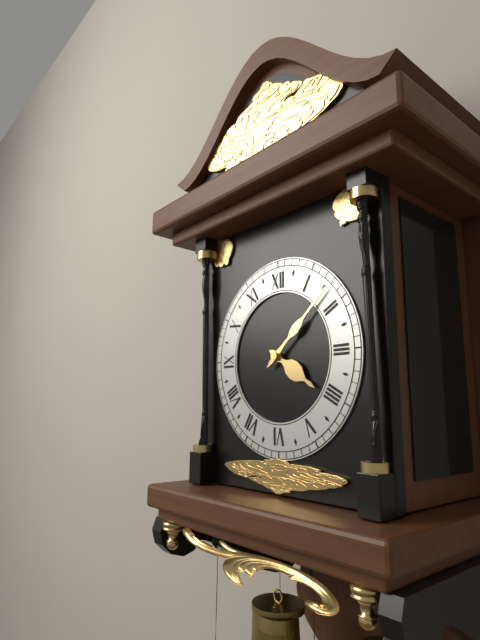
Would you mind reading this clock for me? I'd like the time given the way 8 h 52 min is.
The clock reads 4 h 08 min
